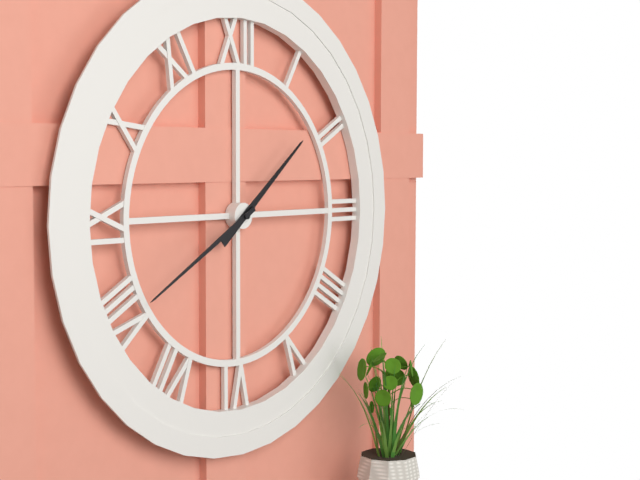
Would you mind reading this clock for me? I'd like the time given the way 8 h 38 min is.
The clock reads 1 h 40 min
